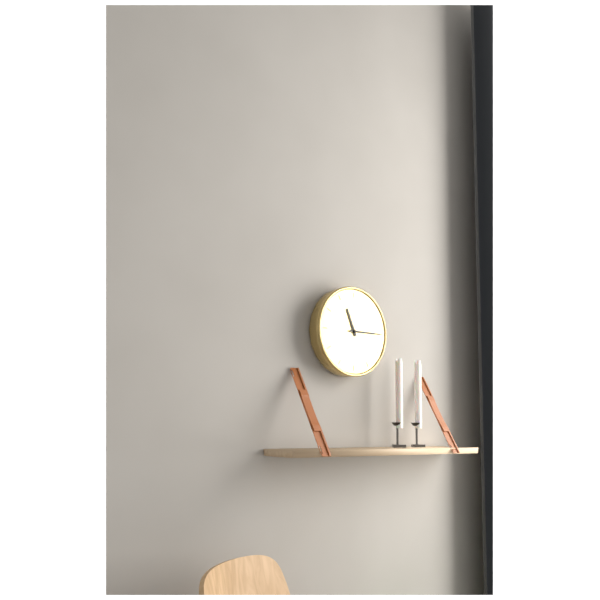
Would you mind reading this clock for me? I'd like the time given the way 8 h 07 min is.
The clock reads 11 h 15 min
